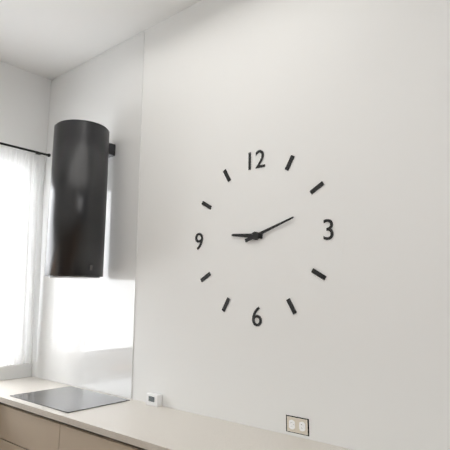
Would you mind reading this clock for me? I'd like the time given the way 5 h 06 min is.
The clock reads 9 h 12 min
